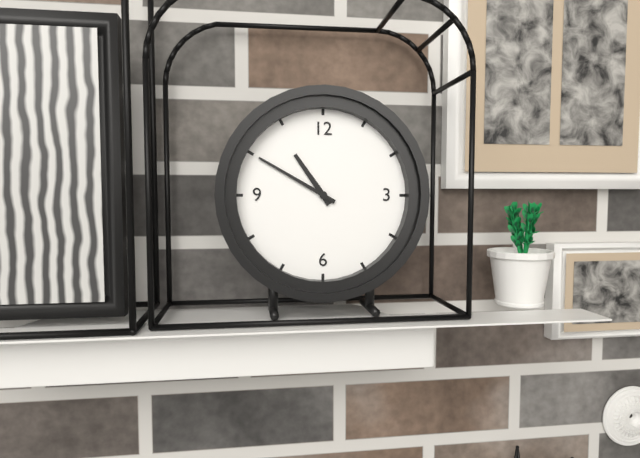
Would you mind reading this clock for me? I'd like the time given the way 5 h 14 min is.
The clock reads 10 h 50 min
